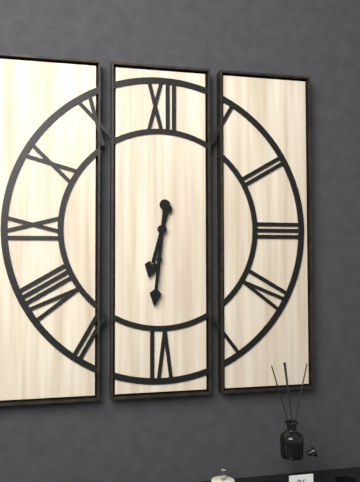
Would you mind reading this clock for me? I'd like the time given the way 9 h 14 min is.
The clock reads 6 h 31 min
